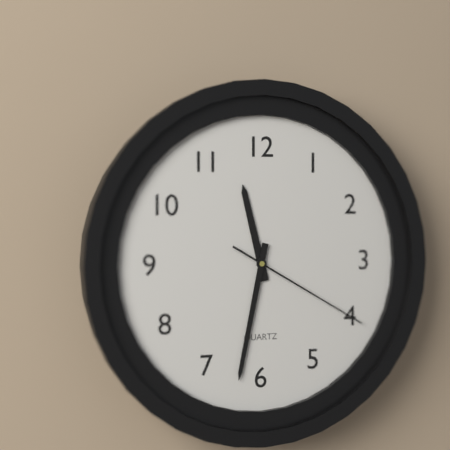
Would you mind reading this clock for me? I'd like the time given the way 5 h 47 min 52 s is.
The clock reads 11 h 32 min 20 s
